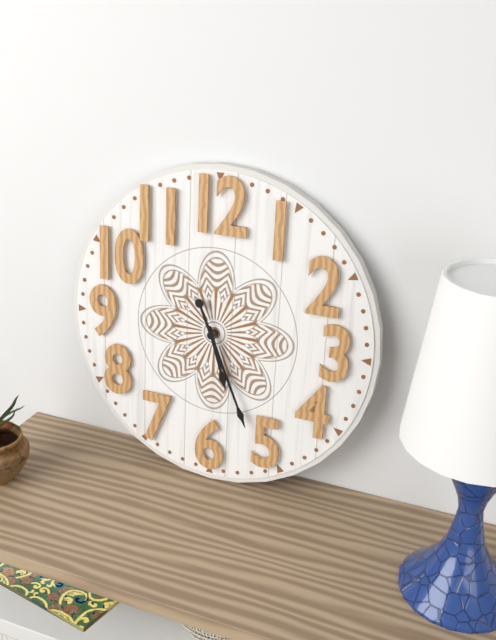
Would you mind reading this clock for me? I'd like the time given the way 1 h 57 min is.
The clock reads 5 h 26 min
